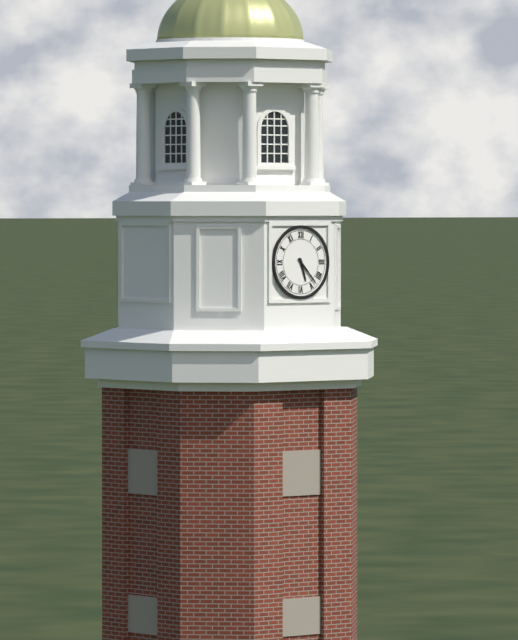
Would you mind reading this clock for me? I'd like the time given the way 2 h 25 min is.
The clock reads 5 h 23 min
